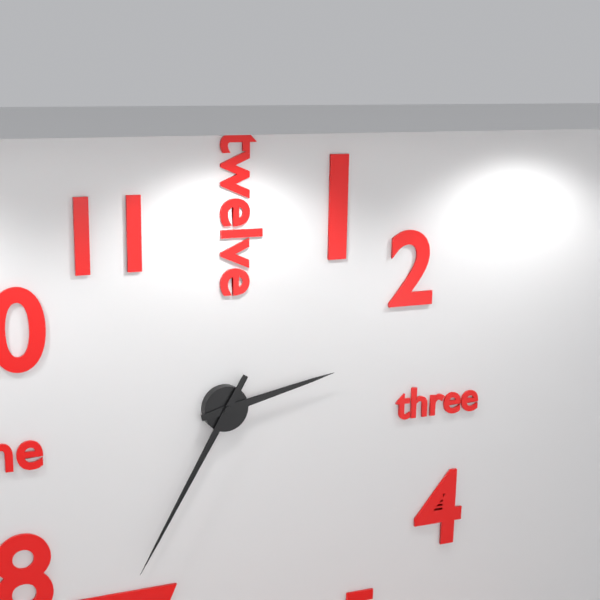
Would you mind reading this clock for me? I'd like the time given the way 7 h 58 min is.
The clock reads 2 h 35 min
